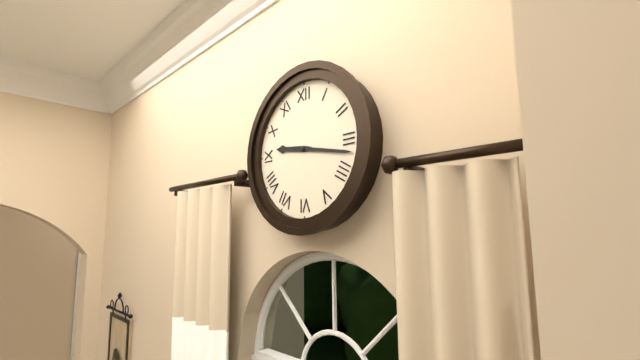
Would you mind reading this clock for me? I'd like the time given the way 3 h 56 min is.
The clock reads 9 h 17 min
